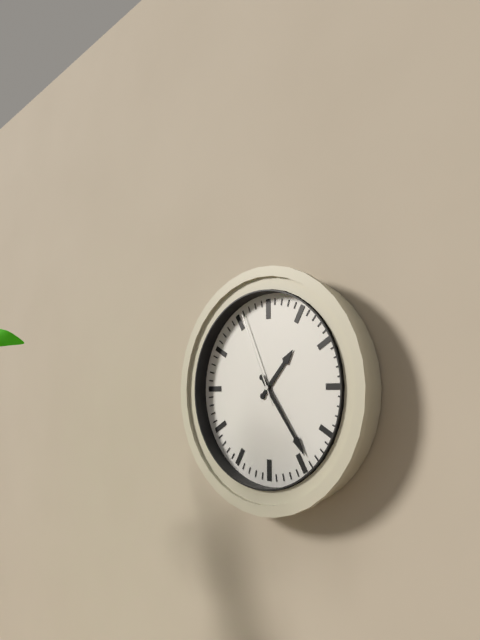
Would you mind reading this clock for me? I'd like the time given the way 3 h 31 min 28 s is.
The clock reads 1 h 24 min 56 s
